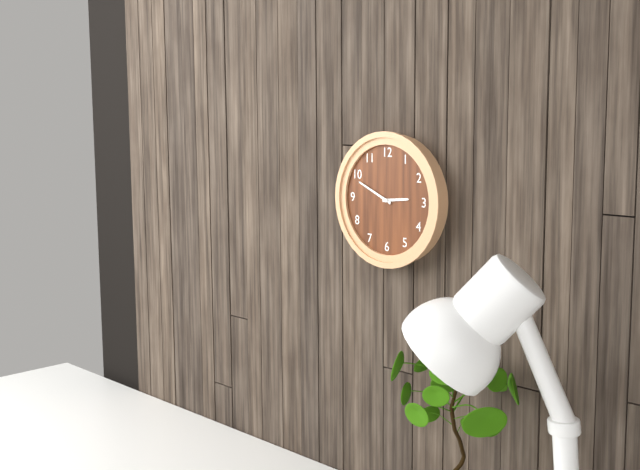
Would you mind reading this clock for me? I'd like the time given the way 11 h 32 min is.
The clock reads 2 h 49 min
